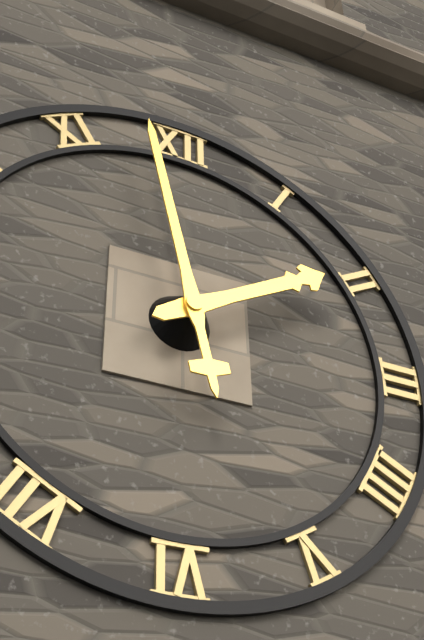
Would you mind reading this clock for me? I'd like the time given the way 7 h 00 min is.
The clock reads 1 h 58 min
